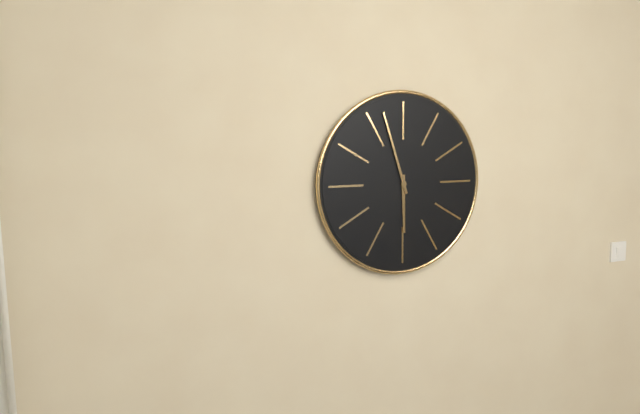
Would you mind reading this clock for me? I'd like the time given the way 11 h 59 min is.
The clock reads 5 h 57 min
